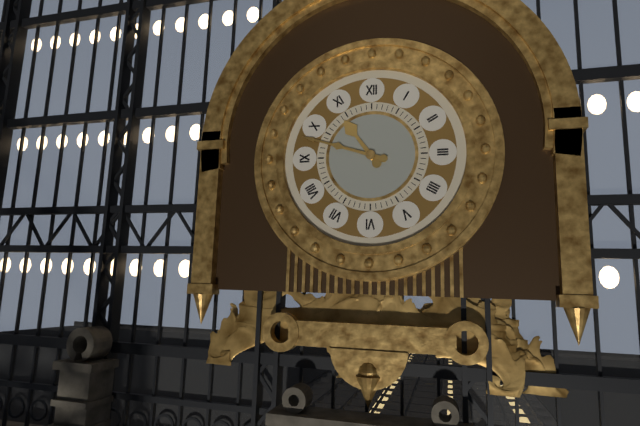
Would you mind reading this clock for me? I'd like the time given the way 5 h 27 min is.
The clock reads 10 h 48 min
